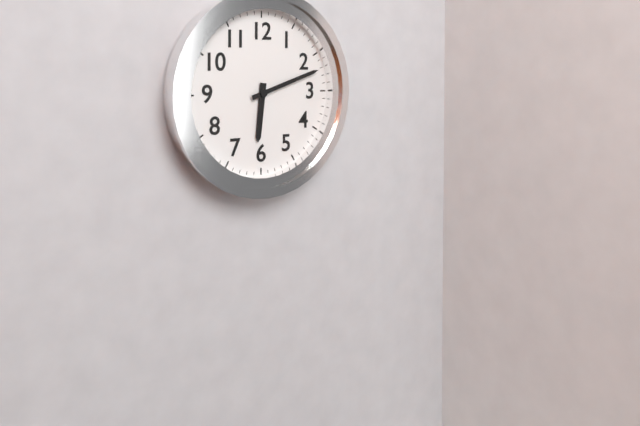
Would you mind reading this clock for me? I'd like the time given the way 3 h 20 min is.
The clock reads 6 h 12 min
